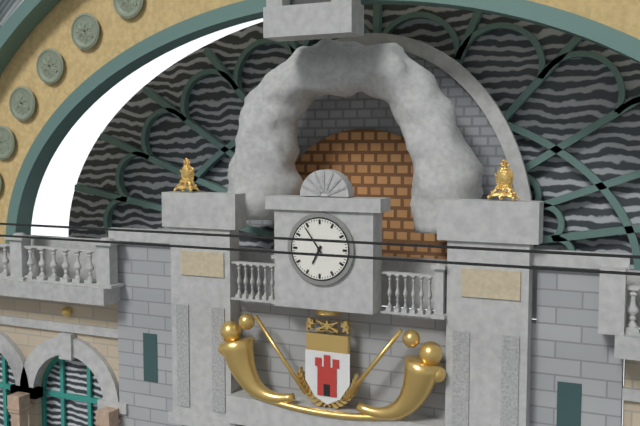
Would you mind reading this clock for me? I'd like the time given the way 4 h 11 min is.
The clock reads 6 h 54 min
